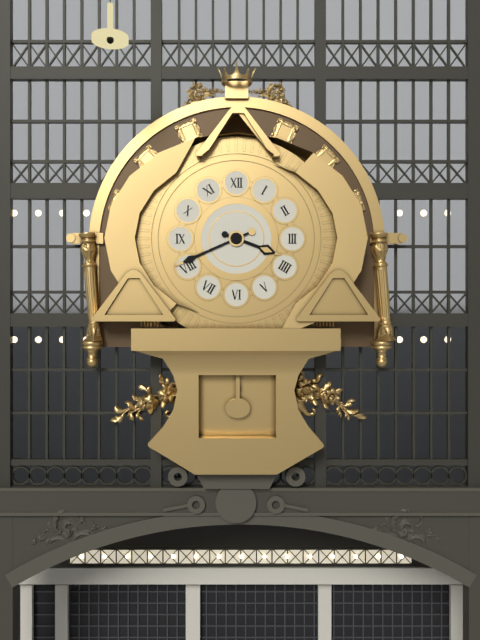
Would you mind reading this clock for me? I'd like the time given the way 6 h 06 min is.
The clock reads 3 h 41 min
